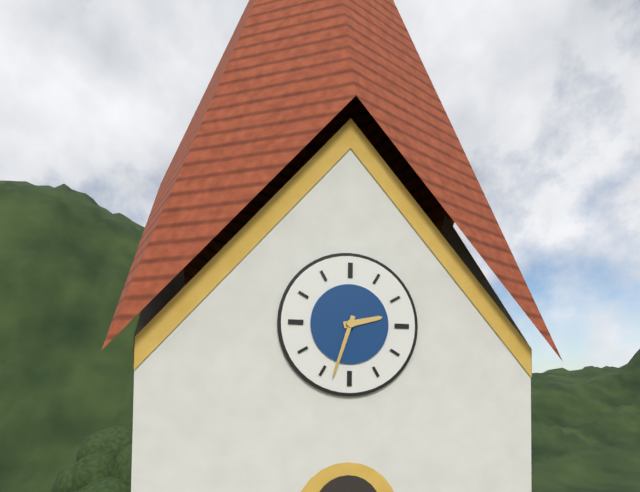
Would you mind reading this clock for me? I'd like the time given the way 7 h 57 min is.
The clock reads 2 h 33 min
